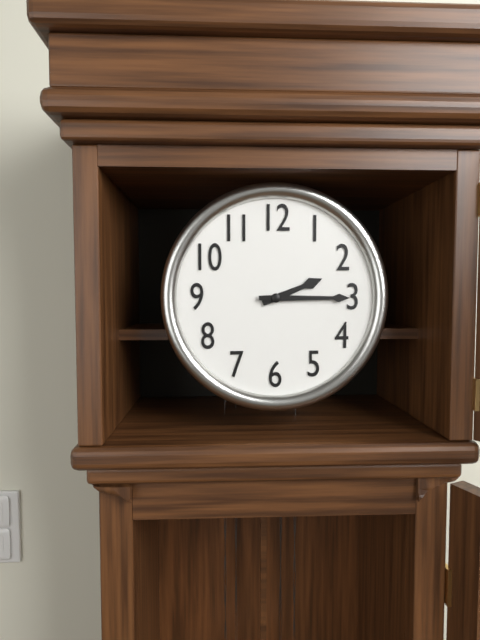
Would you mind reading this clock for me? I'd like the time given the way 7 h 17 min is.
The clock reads 2 h 15 min
